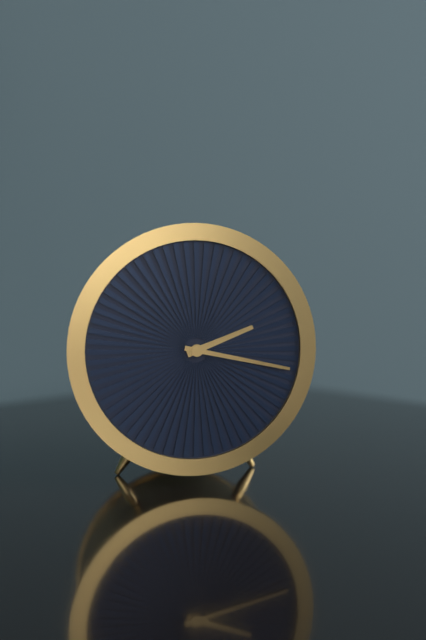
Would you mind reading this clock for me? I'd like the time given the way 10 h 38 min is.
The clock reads 2 h 17 min
